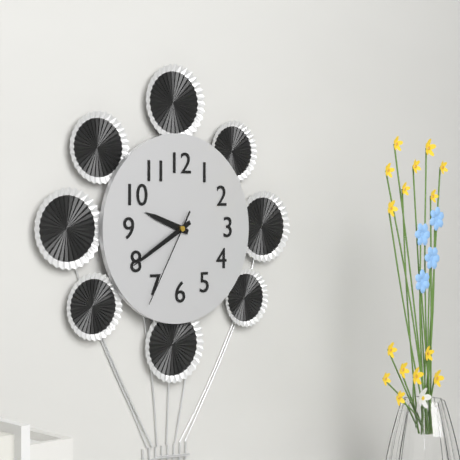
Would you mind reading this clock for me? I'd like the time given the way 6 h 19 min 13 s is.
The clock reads 9 h 40 min 35 s
